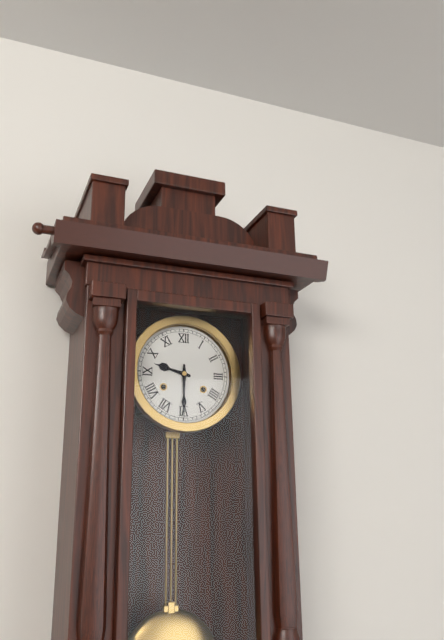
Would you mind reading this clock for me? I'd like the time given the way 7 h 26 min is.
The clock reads 9 h 30 min
